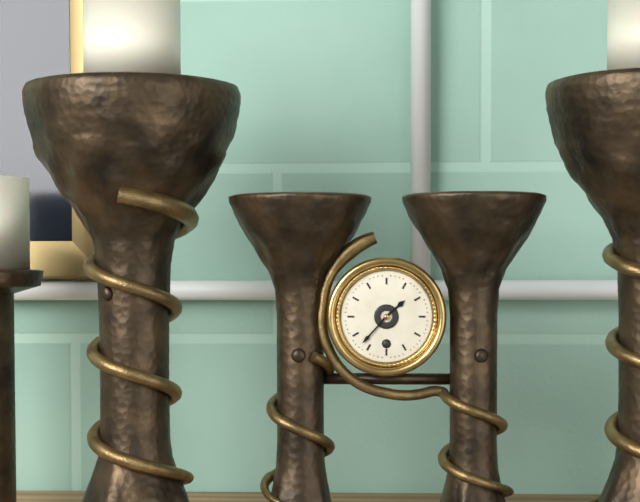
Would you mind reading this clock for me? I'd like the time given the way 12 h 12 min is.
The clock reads 1 h 37 min
